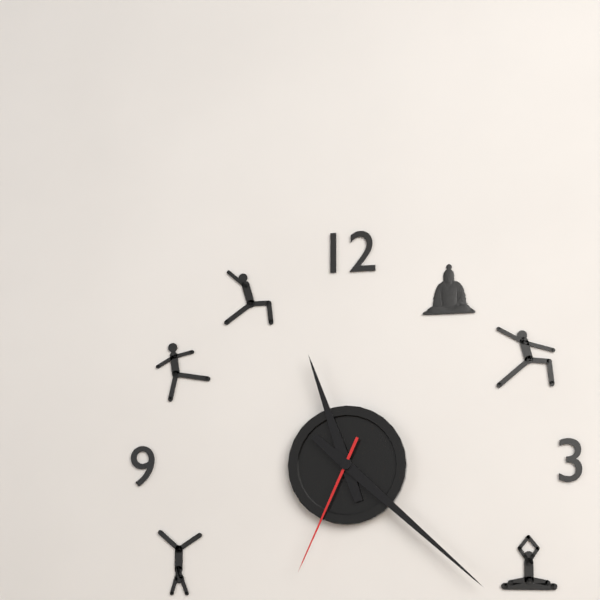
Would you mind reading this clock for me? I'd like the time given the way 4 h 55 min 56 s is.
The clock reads 11 h 22 min 34 s
